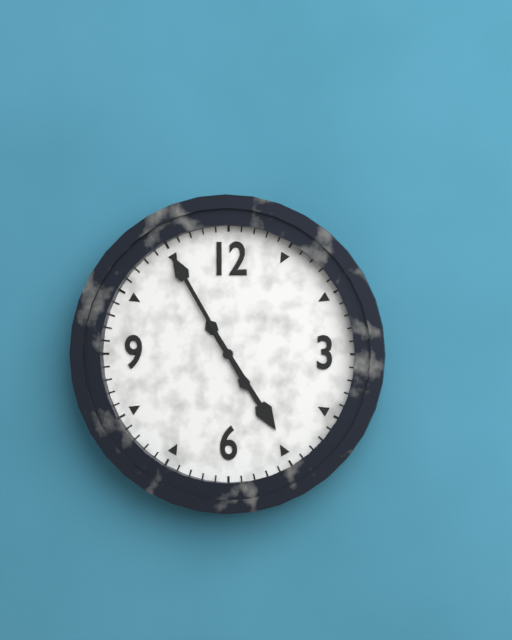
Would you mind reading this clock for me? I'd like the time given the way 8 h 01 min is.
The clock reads 4 h 55 min
